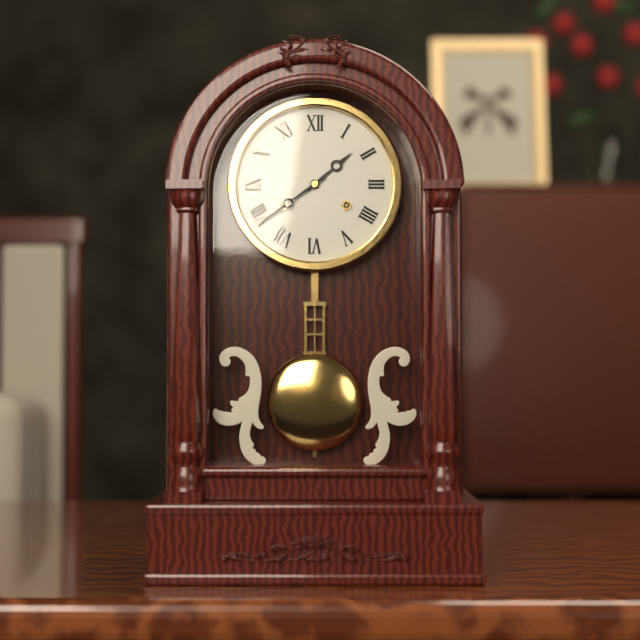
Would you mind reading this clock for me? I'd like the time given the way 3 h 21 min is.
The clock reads 1 h 39 min
